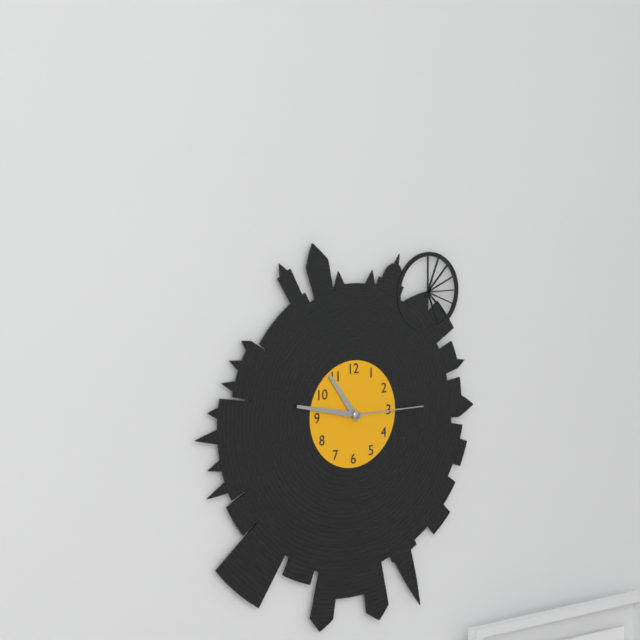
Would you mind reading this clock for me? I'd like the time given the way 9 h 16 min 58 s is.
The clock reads 10 h 47 min 15 s
